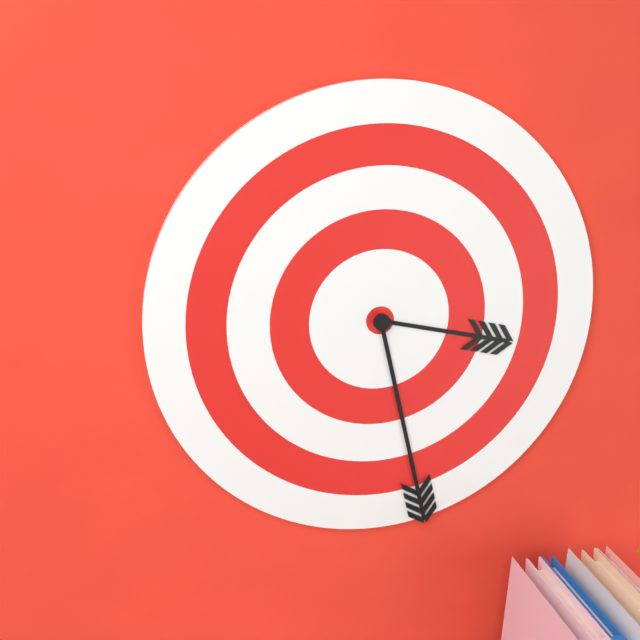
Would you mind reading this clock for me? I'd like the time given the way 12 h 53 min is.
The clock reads 3 h 28 min
